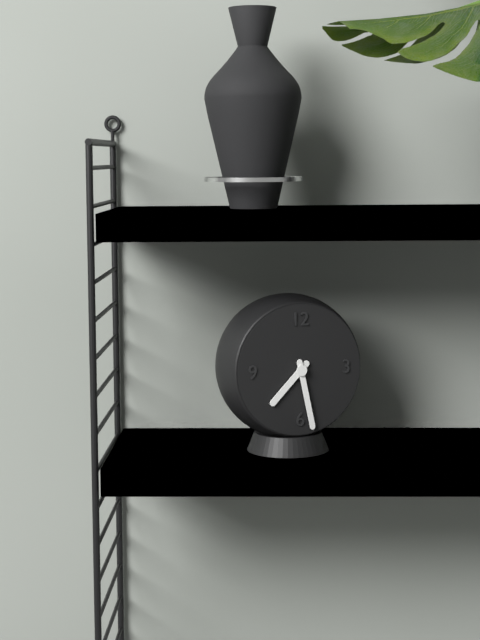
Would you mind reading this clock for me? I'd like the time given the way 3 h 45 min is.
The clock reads 7 h 28 min
